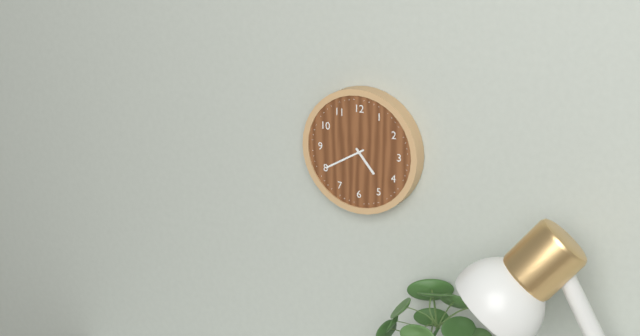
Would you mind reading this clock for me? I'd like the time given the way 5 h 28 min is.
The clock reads 4 h 40 min
